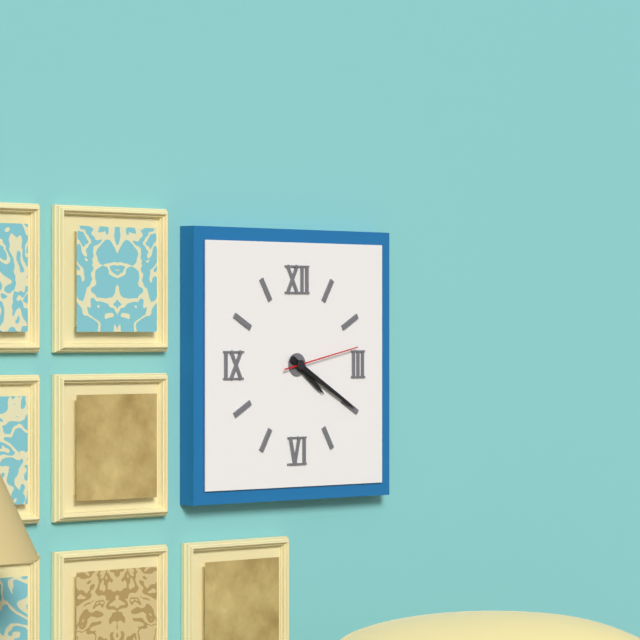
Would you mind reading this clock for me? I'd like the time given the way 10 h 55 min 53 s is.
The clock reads 4 h 20 min 13 s
